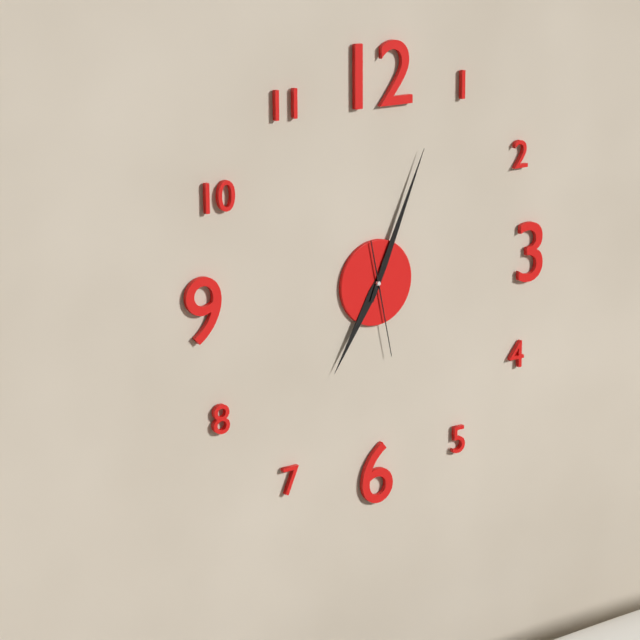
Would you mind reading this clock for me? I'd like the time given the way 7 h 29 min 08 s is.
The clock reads 7 h 04 min 28 s
